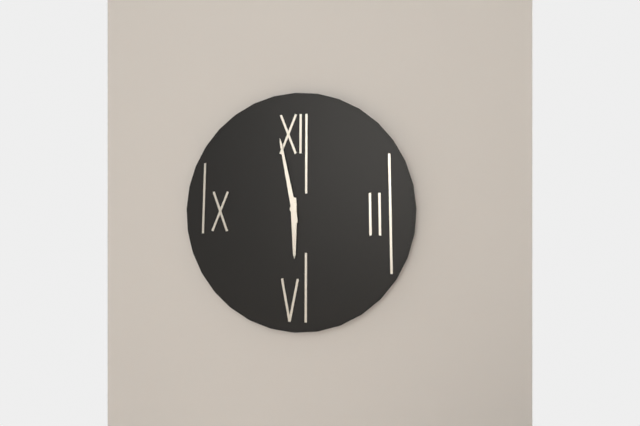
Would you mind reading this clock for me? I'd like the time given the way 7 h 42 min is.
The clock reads 5 h 58 min
